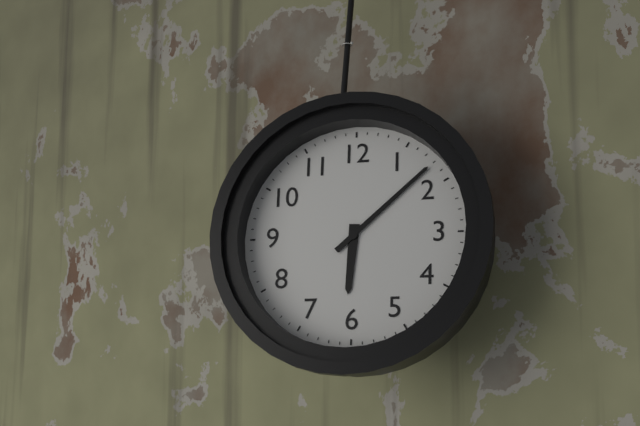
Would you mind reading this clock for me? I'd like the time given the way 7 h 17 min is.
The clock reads 6 h 08 min
